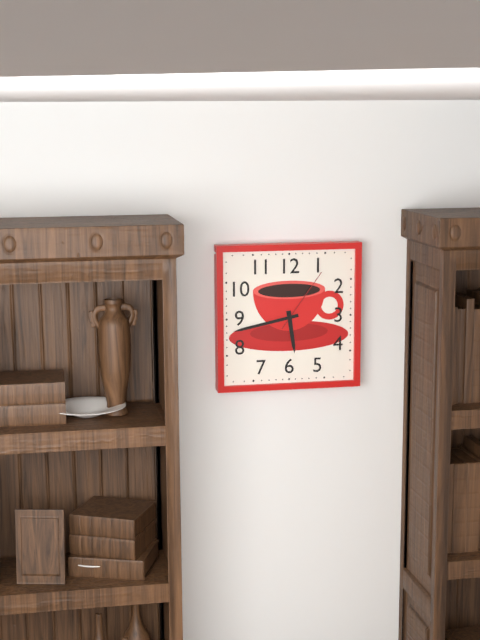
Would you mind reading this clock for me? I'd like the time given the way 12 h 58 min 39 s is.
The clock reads 5 h 43 min 06 s
